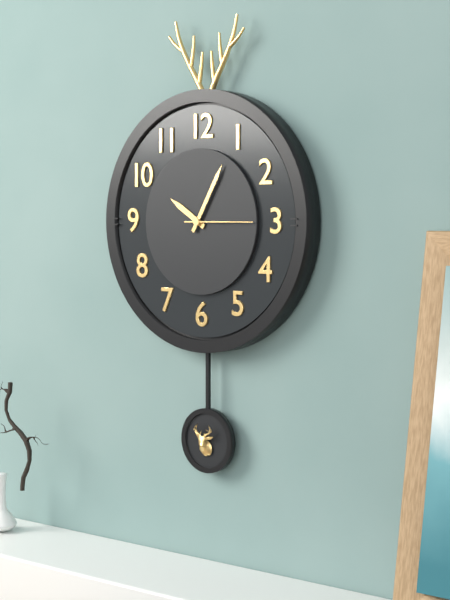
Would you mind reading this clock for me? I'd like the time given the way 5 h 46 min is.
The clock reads 10 h 05 min
